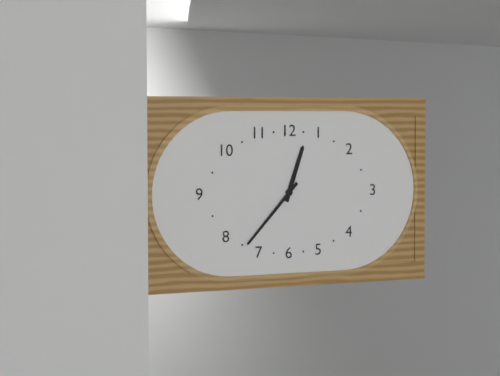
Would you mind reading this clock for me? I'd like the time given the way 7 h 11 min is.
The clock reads 12 h 37 min
